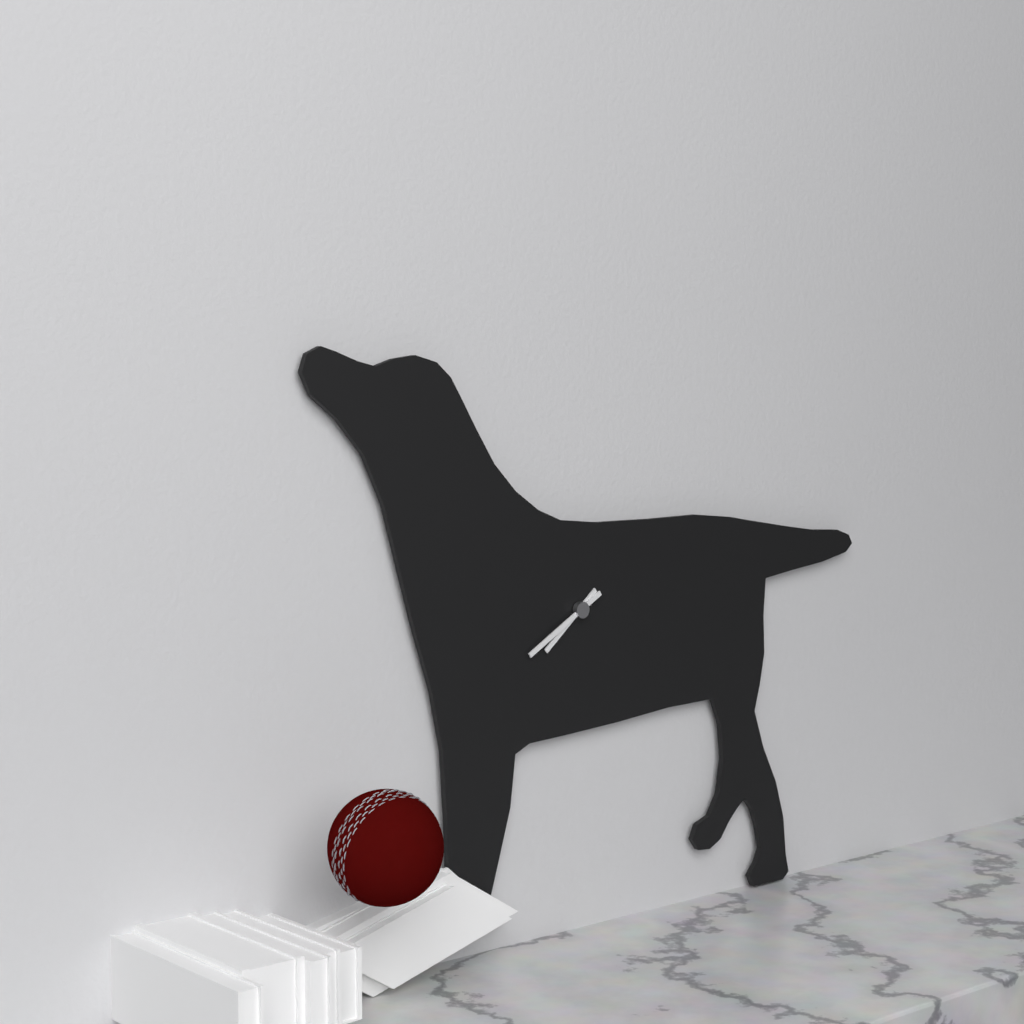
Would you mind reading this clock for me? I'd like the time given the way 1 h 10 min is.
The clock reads 7 h 40 min
